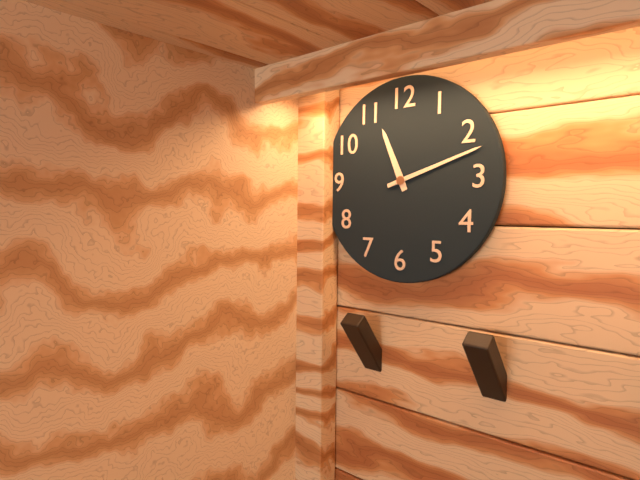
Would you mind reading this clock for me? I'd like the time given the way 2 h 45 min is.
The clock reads 11 h 12 min
